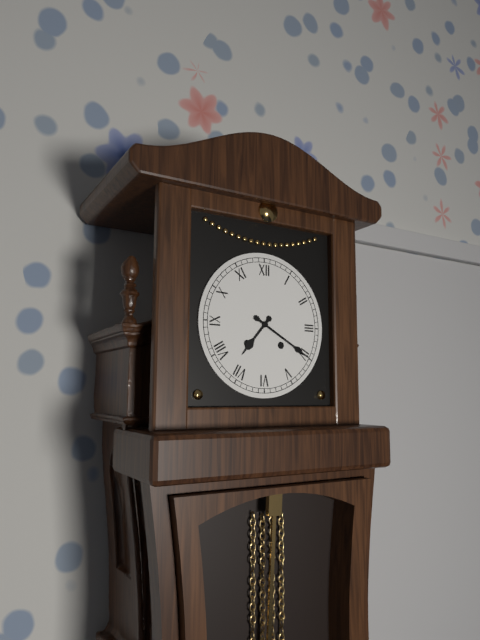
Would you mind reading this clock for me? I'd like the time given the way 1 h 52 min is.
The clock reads 7 h 20 min
